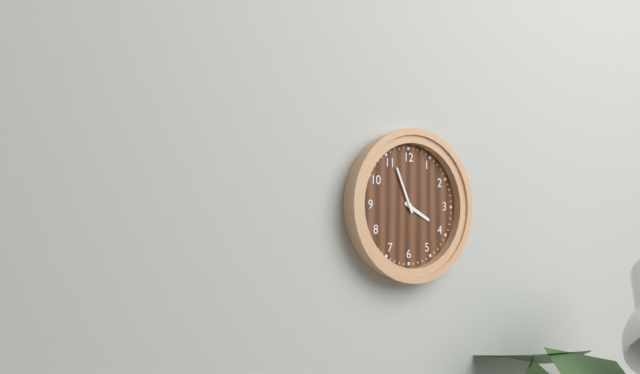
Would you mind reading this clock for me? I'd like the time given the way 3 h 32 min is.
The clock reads 3 h 56 min
